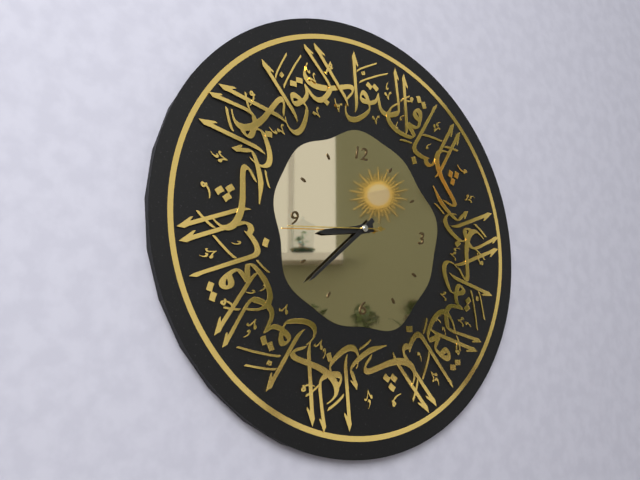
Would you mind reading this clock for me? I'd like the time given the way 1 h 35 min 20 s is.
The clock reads 8 h 38 min 44 s
